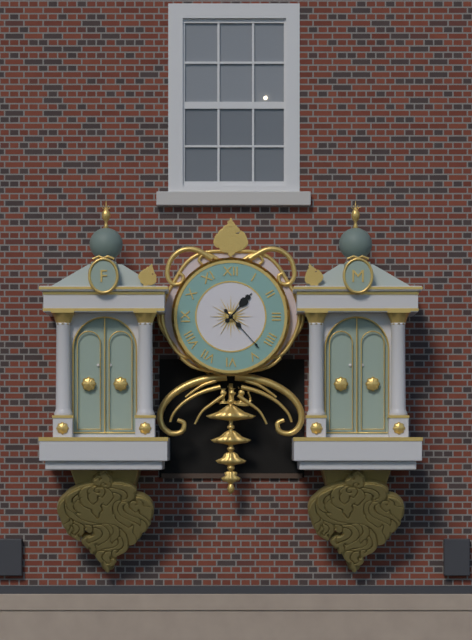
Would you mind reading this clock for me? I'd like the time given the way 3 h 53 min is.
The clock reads 1 h 23 min
